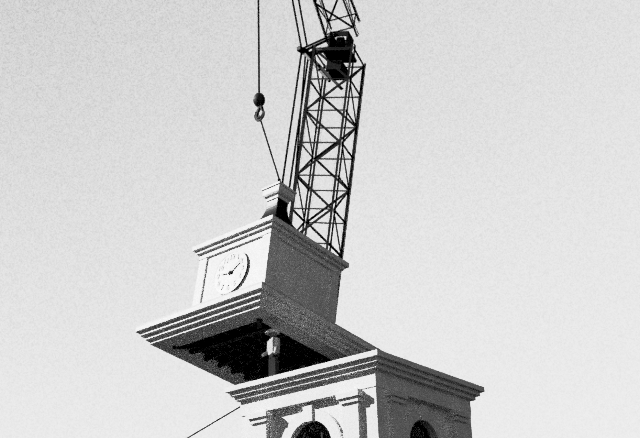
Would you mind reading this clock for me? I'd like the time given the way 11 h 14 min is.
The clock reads 9 h 09 min
